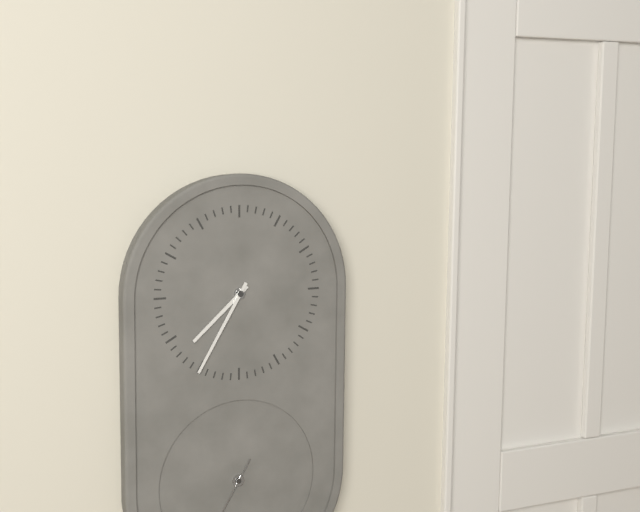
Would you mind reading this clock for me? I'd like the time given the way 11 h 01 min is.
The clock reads 7 h 35 min
